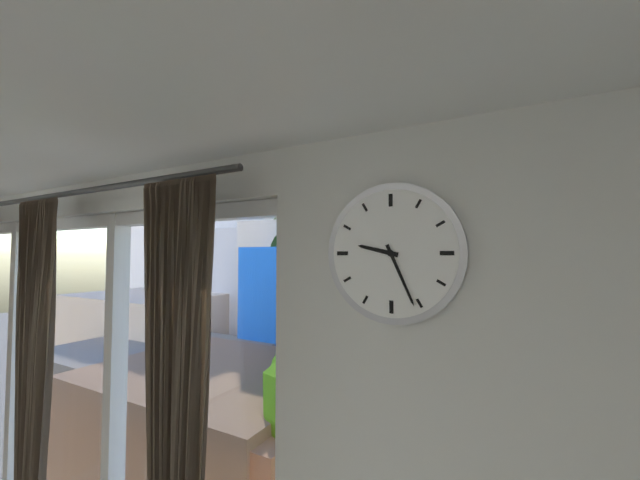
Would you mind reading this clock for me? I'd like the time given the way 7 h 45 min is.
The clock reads 9 h 26 min
